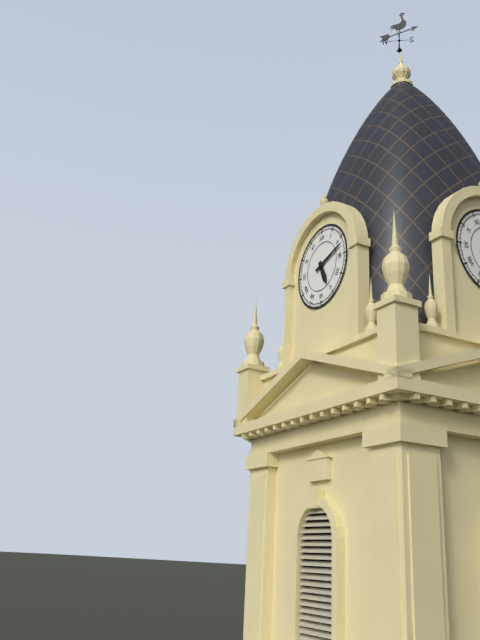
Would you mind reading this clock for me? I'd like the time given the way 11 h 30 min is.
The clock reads 5 h 12 min
